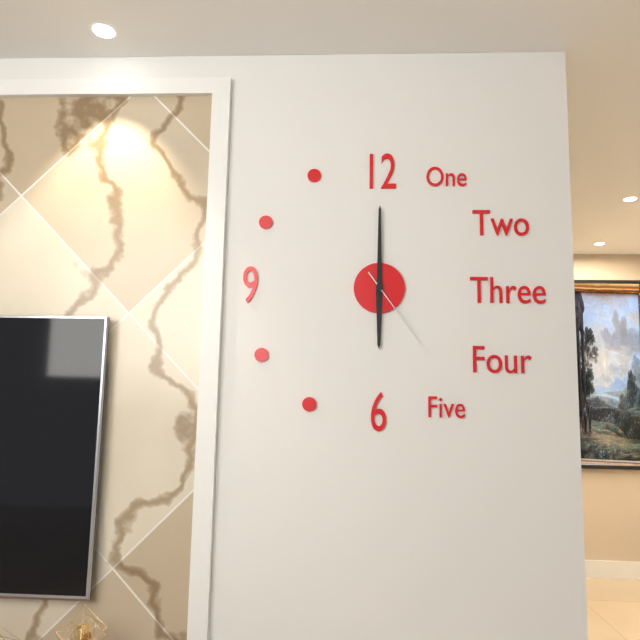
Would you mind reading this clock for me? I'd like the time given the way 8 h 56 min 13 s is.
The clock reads 6 h 00 min 24 s
